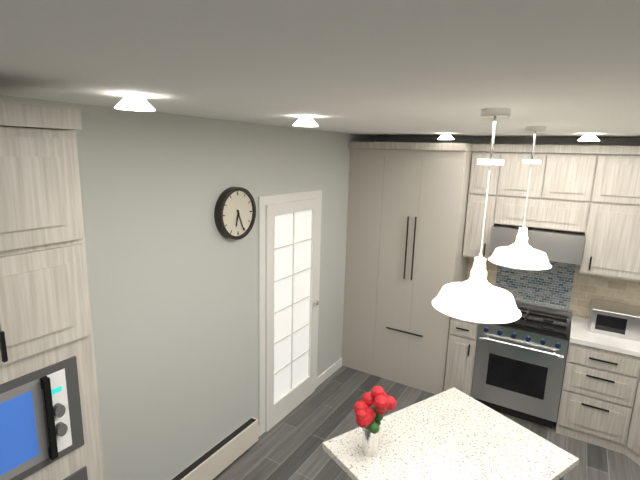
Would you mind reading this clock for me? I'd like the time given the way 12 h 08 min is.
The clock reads 6 h 26 min
